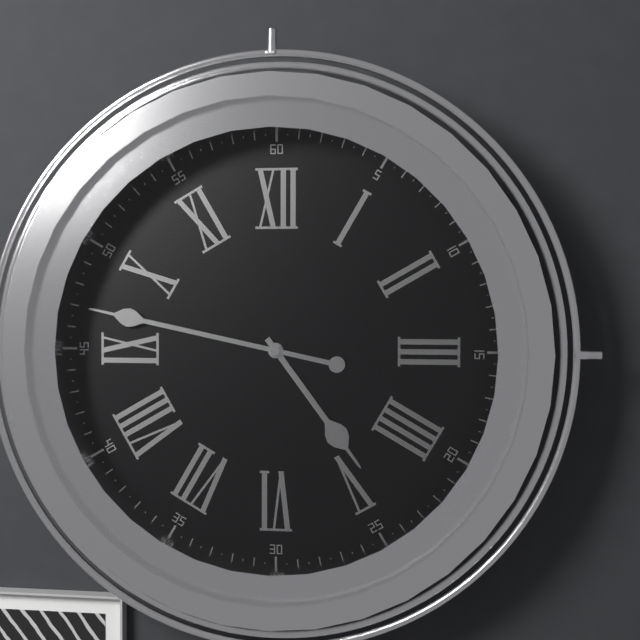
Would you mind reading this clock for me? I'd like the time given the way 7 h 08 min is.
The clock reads 4 h 47 min
